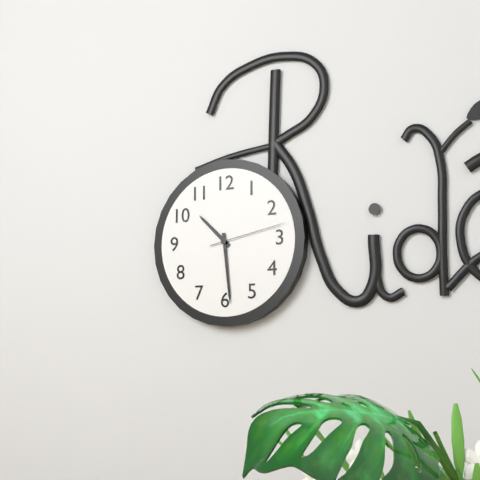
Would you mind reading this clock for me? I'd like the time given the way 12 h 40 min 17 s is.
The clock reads 10 h 29 min 13 s
